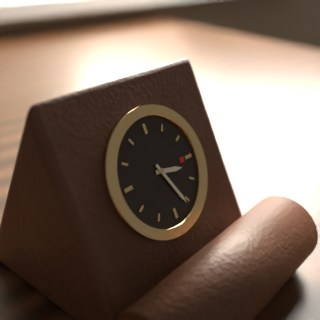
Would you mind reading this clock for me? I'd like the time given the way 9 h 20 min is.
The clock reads 3 h 26 min
